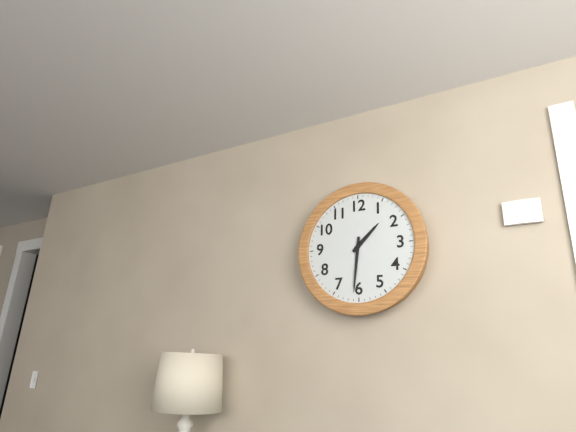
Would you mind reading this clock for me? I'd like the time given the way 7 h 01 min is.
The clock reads 1 h 31 min
